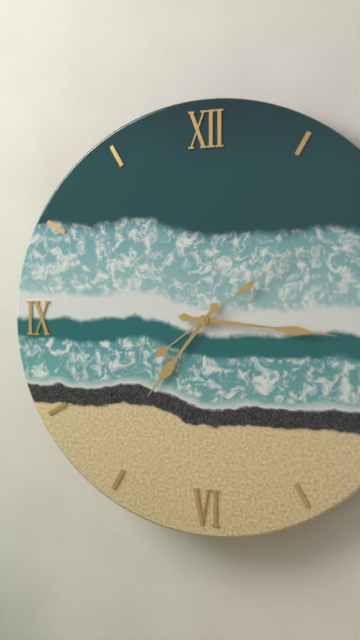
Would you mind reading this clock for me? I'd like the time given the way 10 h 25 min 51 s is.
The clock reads 7 h 16 min 09 s
